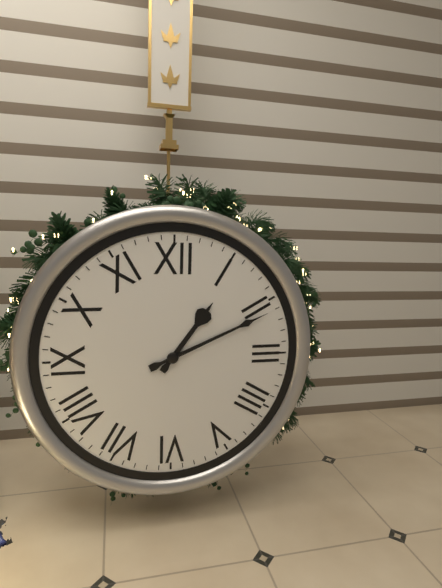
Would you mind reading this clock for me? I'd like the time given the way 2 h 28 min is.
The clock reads 1 h 11 min
